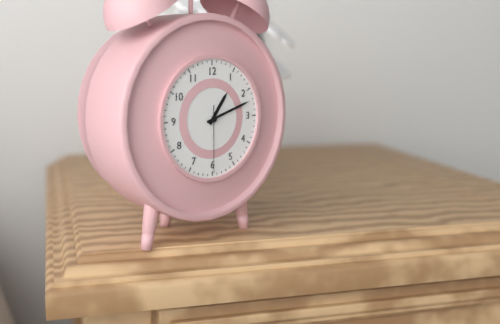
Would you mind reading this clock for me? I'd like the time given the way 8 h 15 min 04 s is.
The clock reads 1 h 12 min 30 s
